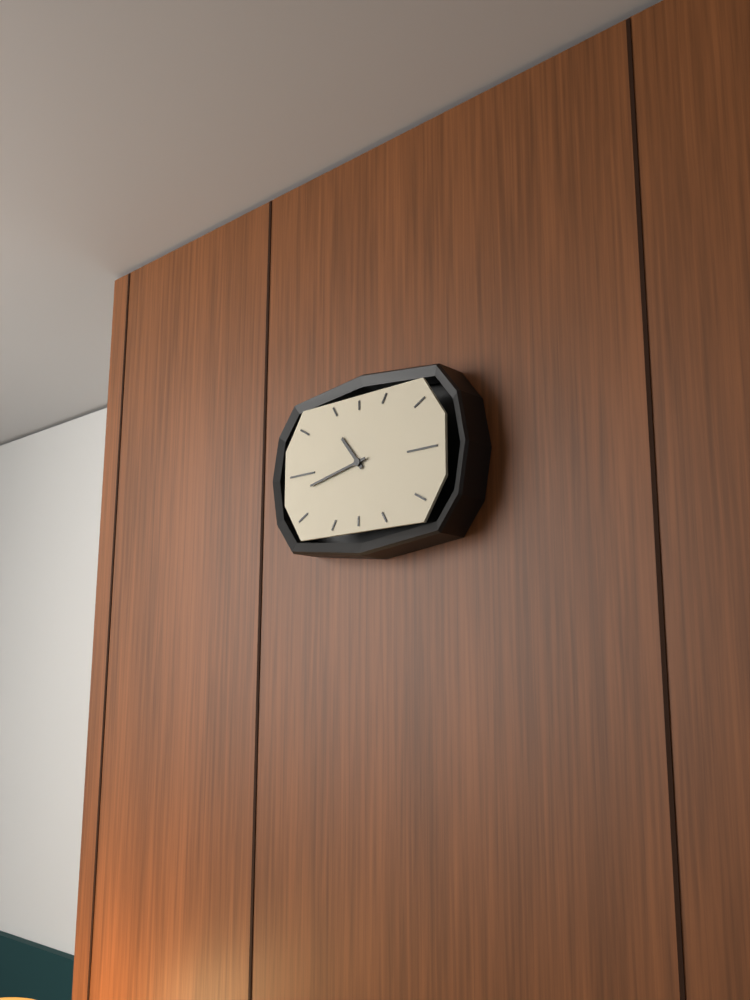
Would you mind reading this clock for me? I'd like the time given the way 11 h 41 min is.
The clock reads 10 h 43 min
